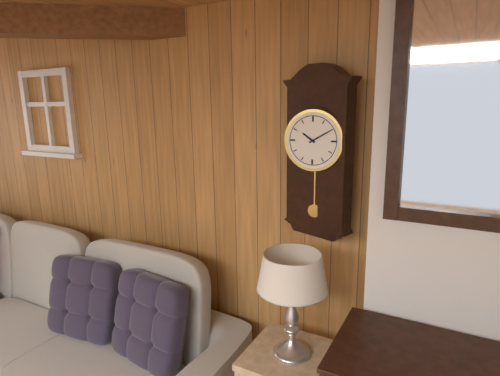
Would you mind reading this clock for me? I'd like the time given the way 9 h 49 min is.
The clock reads 10 h 10 min
